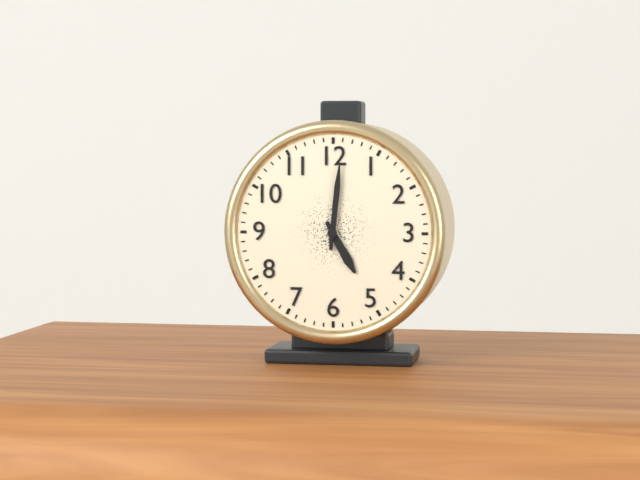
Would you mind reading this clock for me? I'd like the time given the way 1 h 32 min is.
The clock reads 5 h 01 min
